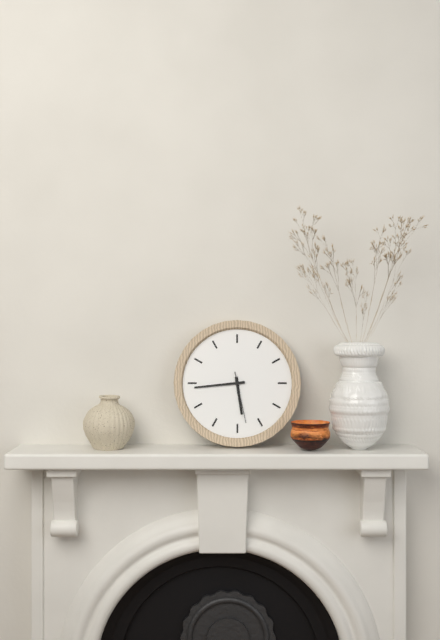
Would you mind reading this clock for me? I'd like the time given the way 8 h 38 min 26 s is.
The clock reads 5 h 44 min 28 s
